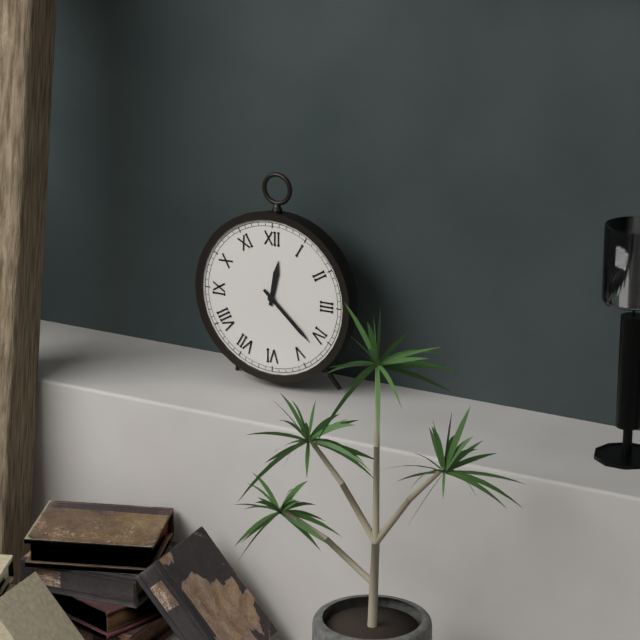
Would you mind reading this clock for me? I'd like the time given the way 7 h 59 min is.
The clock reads 12 h 22 min
